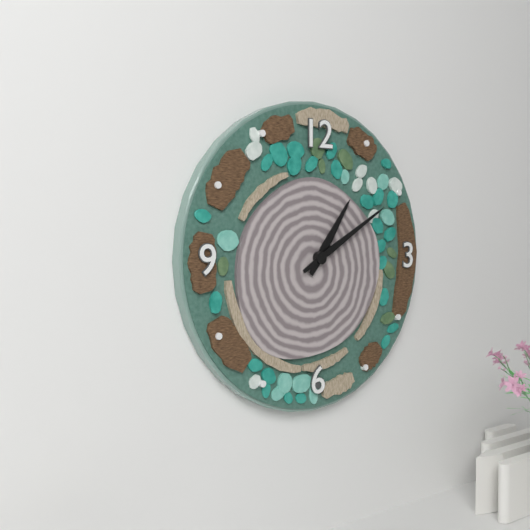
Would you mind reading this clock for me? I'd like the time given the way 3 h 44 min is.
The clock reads 1 h 10 min
